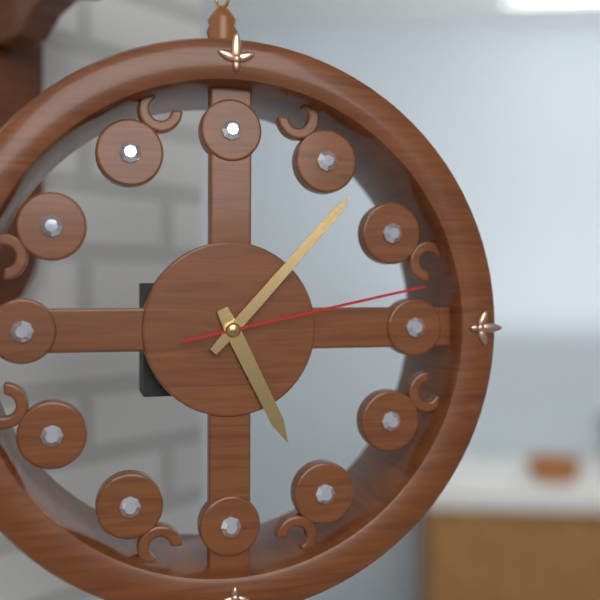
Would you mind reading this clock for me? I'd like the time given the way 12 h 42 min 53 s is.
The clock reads 5 h 07 min 13 s
